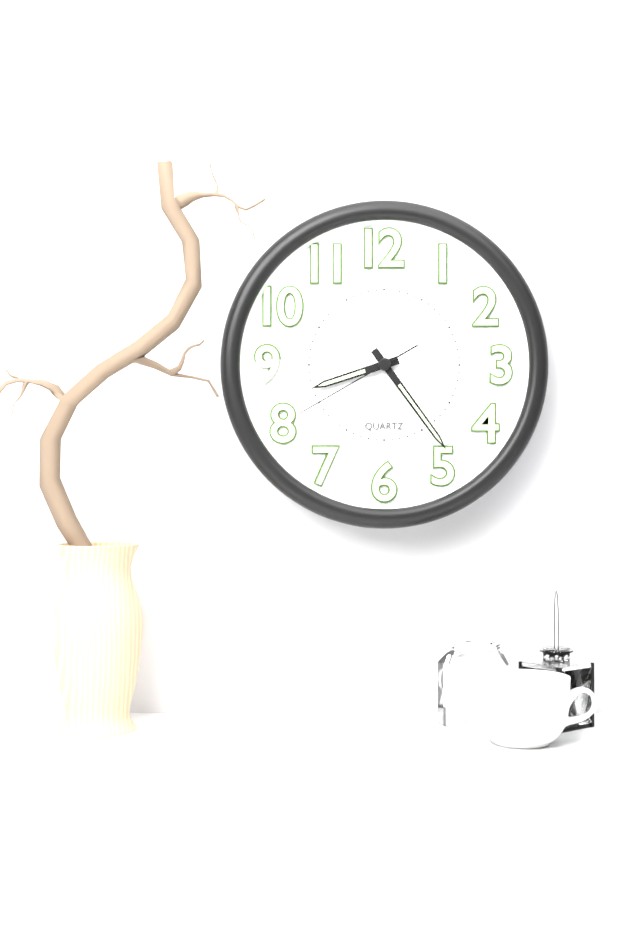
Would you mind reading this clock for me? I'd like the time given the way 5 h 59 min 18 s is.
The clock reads 8 h 24 min 40 s
